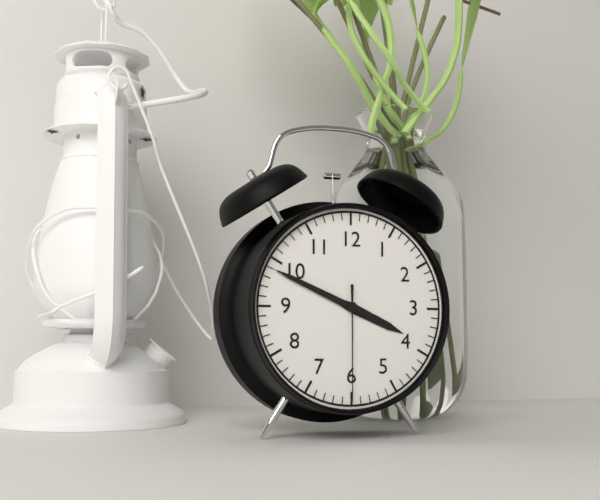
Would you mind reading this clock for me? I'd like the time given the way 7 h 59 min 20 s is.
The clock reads 3 h 49 min 30 s
